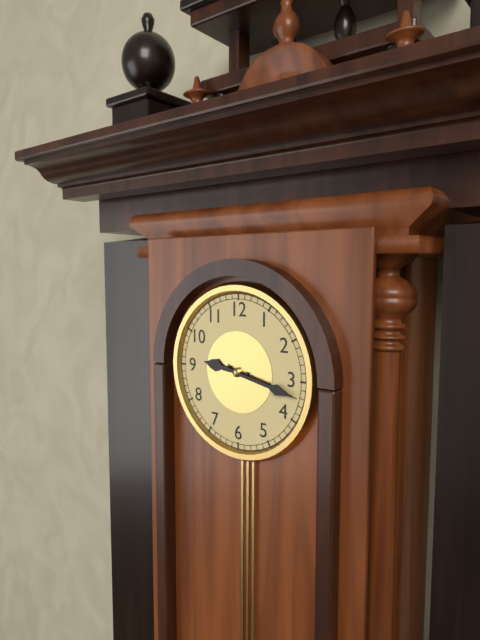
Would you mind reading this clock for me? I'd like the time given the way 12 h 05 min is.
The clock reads 9 h 17 min
